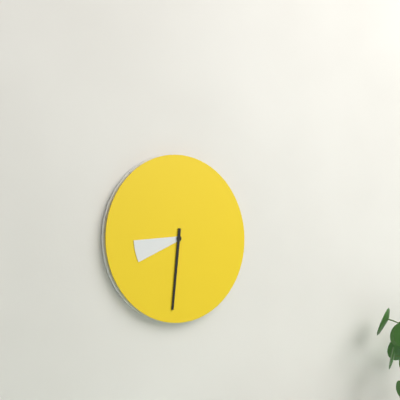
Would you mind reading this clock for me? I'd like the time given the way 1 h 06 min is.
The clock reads 8 h 31 min
